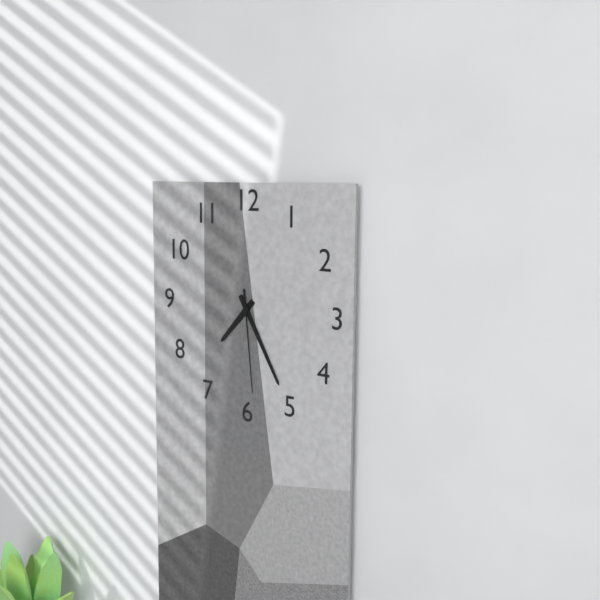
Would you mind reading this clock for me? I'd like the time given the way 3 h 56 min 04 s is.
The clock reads 7 h 25 min 29 s
